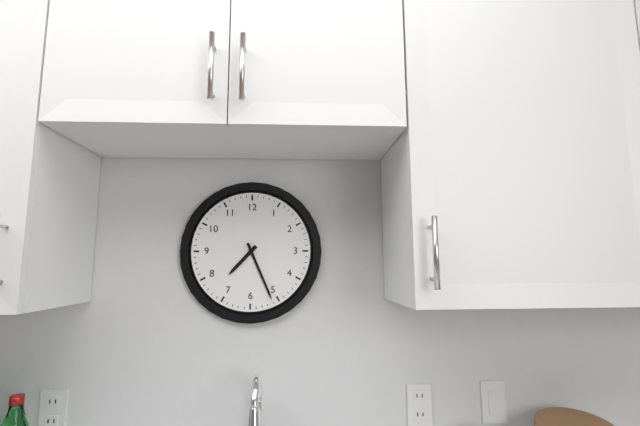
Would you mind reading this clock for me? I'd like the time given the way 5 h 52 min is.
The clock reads 7 h 26 min
